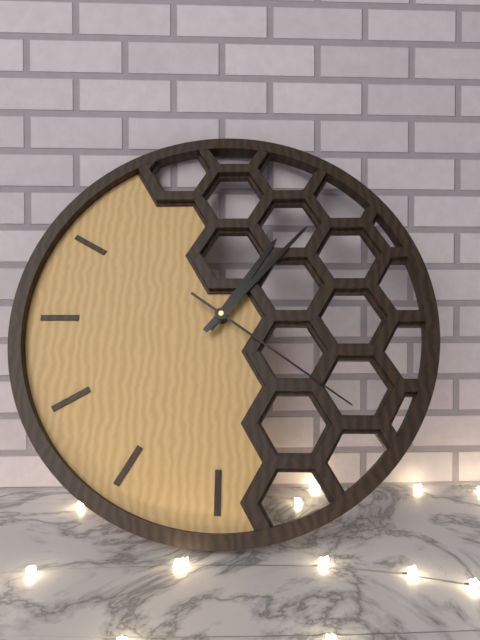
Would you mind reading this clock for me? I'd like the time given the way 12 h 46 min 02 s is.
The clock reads 1 h 07 min 21 s
